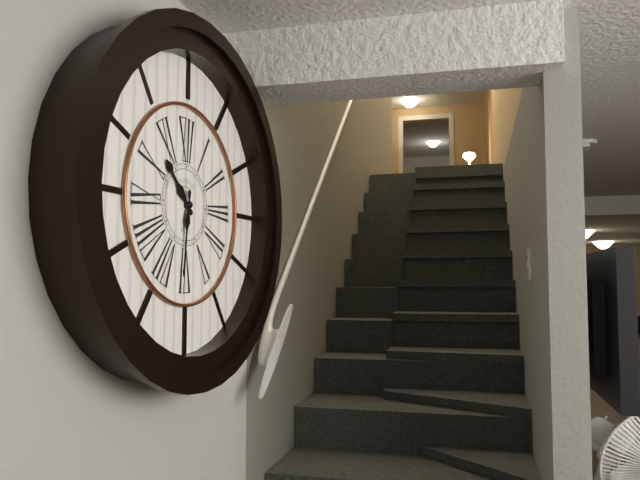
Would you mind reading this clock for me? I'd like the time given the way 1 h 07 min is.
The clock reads 10 h 31 min
